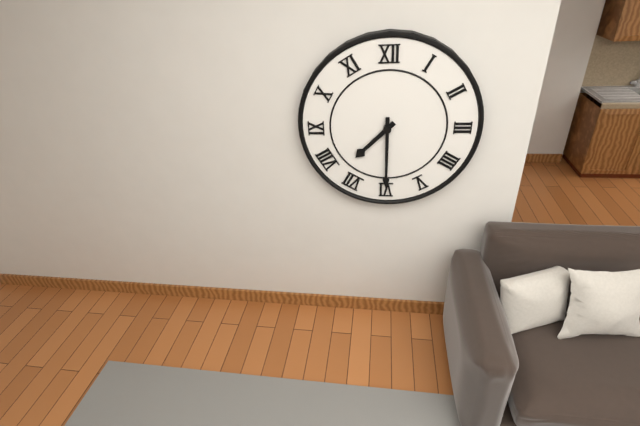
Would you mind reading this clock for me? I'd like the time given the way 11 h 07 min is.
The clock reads 7 h 30 min
